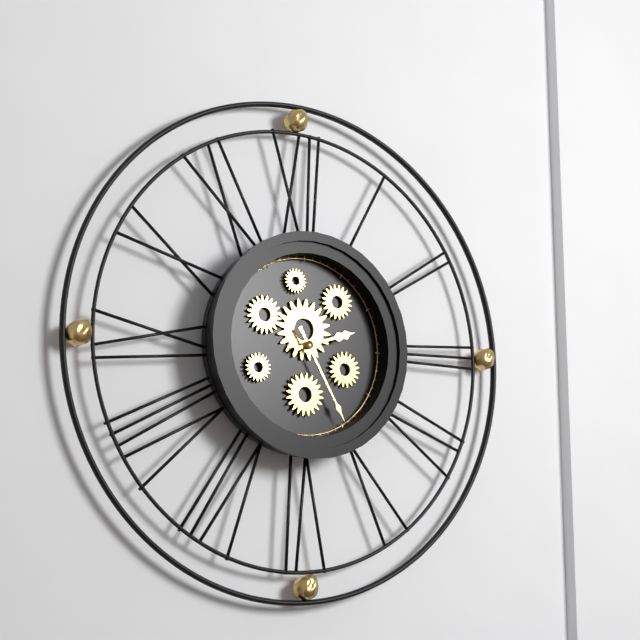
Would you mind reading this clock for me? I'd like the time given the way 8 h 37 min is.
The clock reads 2 h 25 min
